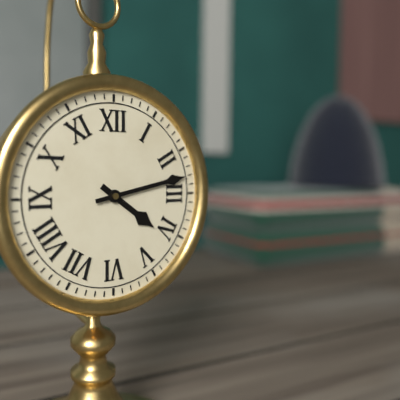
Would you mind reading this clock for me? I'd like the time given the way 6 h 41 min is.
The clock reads 4 h 13 min
